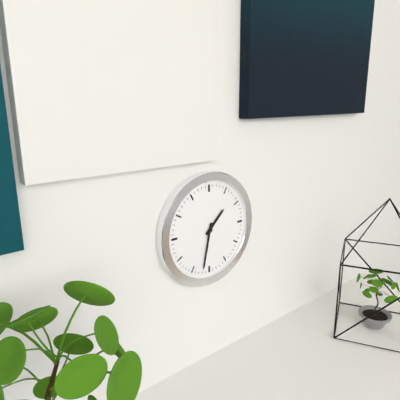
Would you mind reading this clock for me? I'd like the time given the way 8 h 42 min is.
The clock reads 1 h 32 min
